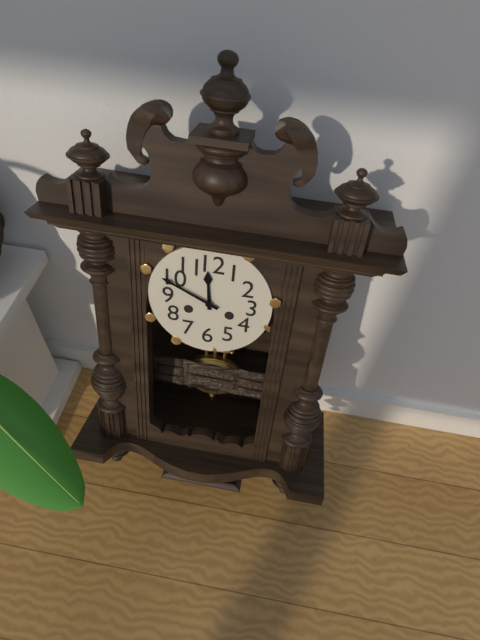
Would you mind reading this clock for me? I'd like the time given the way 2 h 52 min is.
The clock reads 11 h 49 min
